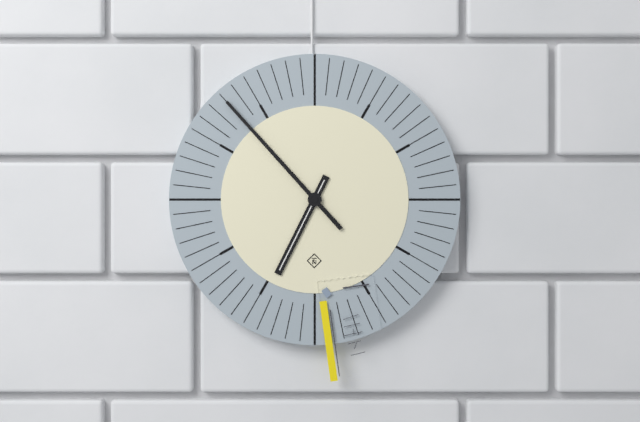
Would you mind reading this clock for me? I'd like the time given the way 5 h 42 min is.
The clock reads 6 h 53 min
